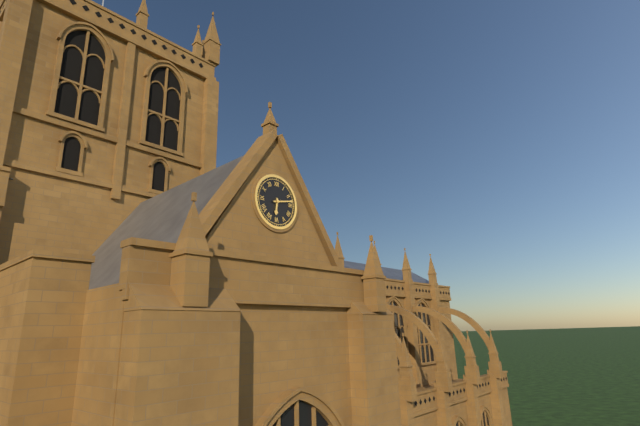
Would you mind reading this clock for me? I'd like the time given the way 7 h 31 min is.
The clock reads 6 h 13 min
